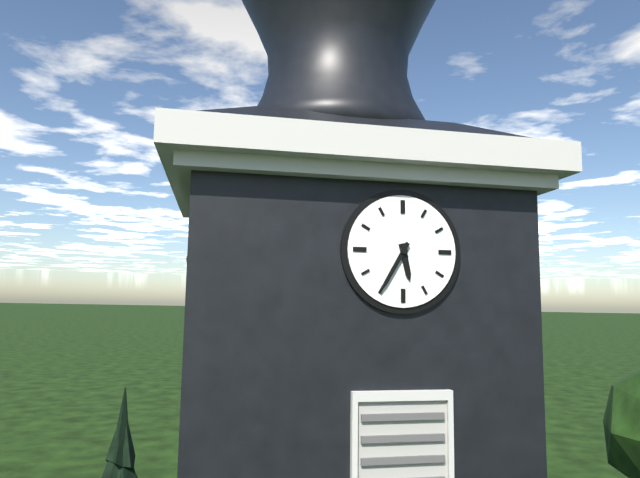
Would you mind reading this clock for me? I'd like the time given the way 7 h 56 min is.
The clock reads 5 h 35 min
